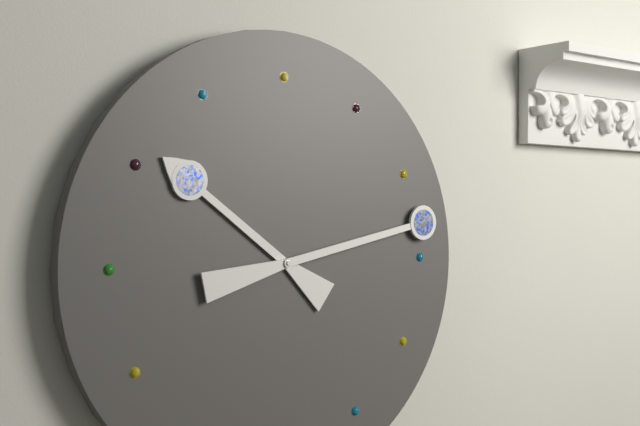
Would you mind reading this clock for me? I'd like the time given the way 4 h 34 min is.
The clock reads 10 h 13 min
